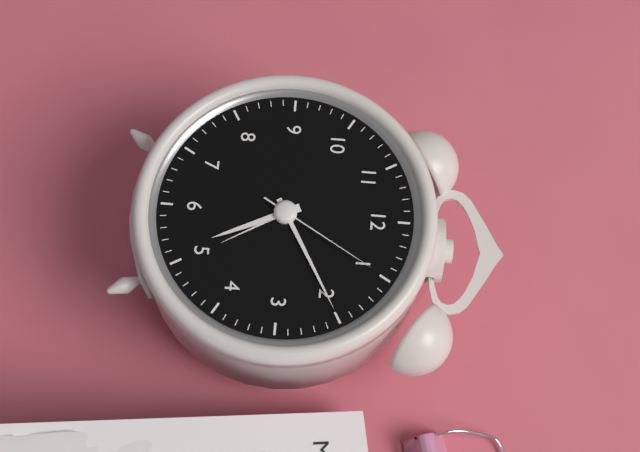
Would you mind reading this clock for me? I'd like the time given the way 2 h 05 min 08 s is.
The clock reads 5 h 10 min 05 s
